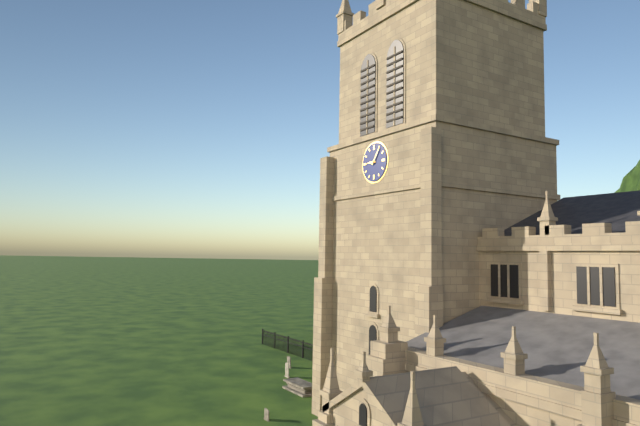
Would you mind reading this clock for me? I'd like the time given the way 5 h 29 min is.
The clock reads 9 h 06 min
